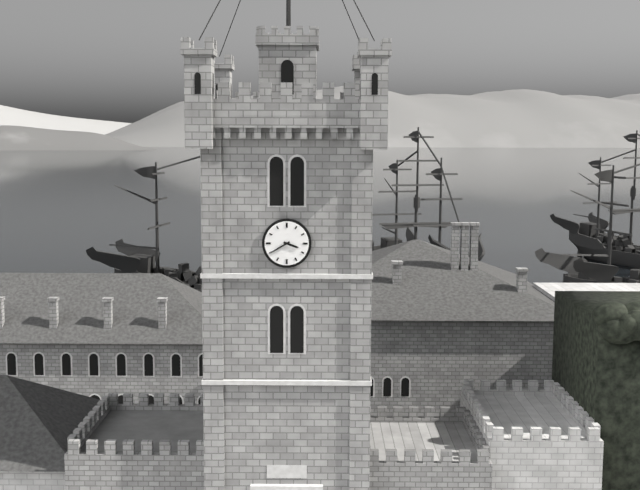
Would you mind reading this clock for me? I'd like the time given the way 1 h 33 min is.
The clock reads 3 h 40 min
